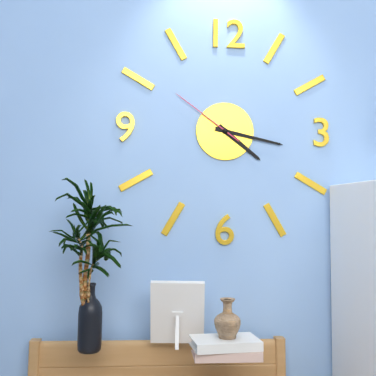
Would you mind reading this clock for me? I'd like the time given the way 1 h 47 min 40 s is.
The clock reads 4 h 17 min 51 s
